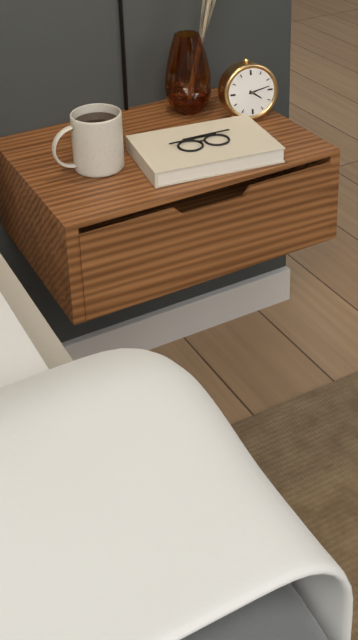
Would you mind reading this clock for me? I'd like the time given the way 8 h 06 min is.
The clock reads 4 h 13 min
